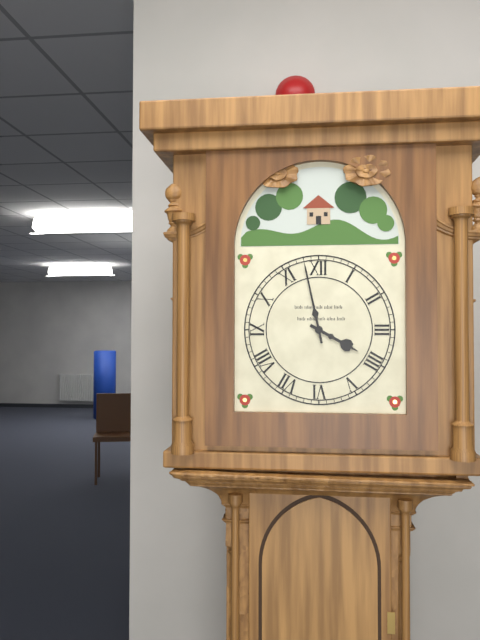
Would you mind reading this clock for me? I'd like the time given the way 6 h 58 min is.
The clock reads 3 h 58 min
